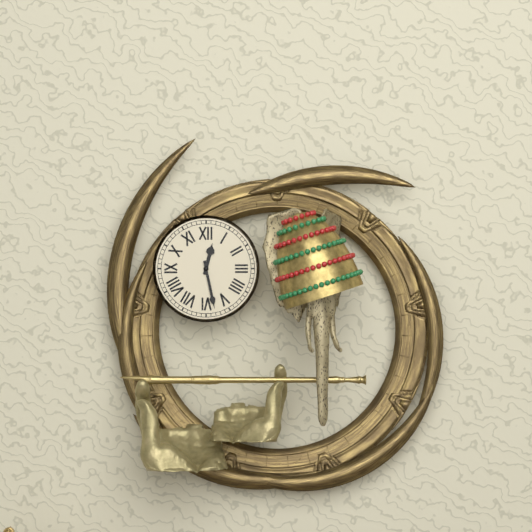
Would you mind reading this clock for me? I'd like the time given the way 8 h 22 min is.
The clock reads 12 h 28 min
